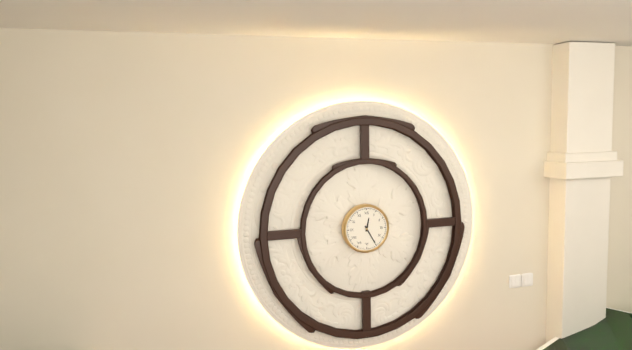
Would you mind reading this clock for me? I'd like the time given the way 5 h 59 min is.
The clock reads 12 h 25 min
